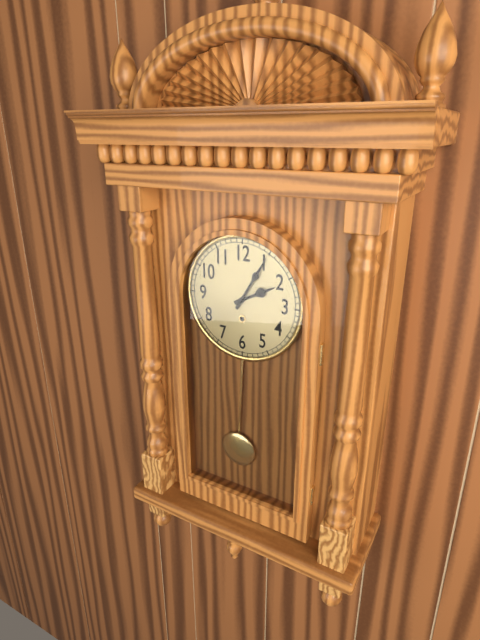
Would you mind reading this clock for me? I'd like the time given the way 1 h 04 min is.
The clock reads 2 h 05 min
